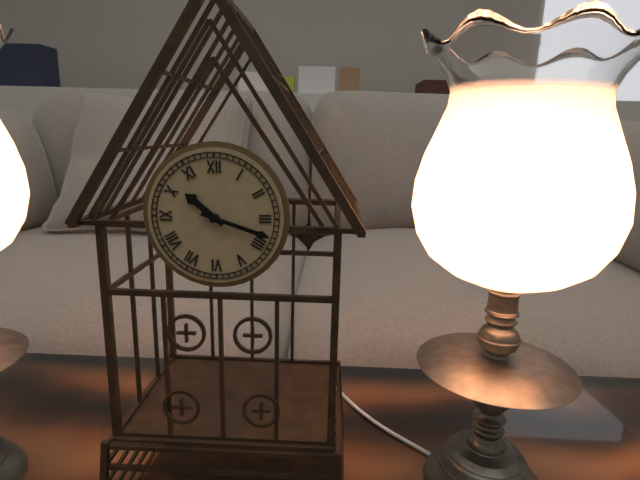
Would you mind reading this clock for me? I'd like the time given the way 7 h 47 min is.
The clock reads 10 h 18 min
